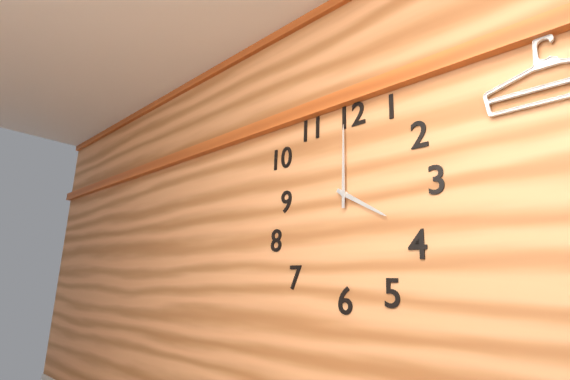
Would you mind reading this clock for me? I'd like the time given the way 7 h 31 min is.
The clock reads 4 h 00 min
